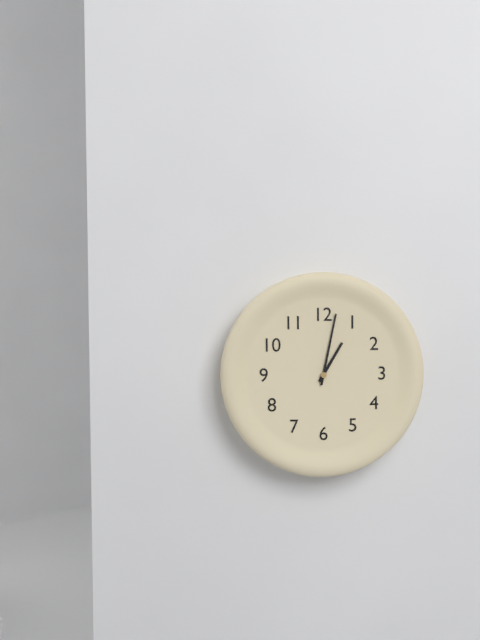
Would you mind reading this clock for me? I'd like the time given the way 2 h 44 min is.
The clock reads 1 h 02 min
